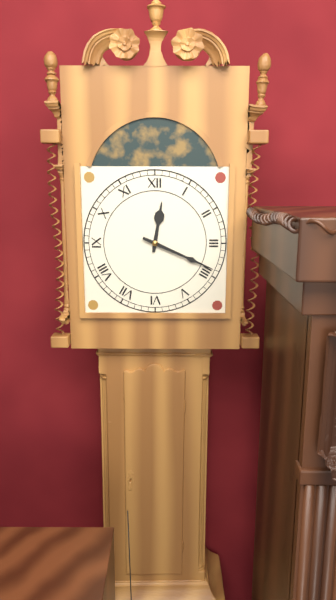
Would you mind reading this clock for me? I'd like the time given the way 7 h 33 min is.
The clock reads 12 h 19 min
